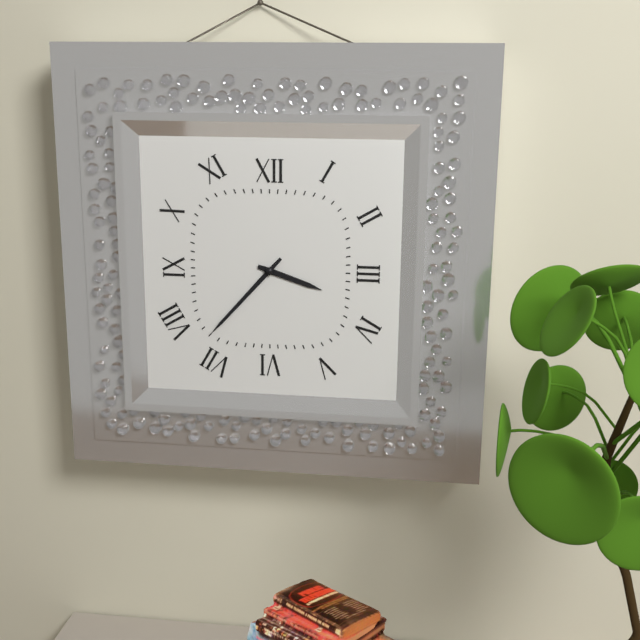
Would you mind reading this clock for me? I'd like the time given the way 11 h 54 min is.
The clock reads 3 h 37 min
